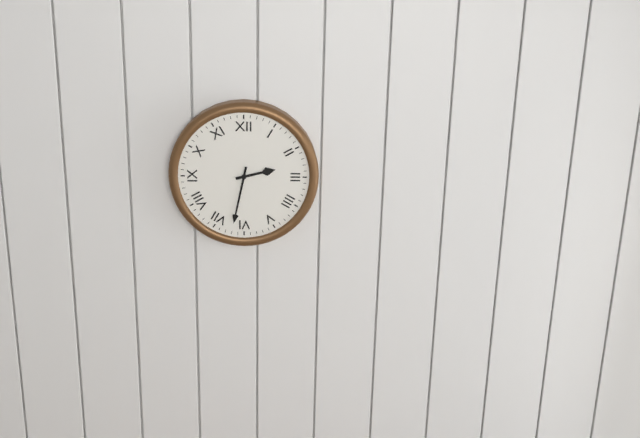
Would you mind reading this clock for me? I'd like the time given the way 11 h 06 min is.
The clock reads 2 h 32 min
